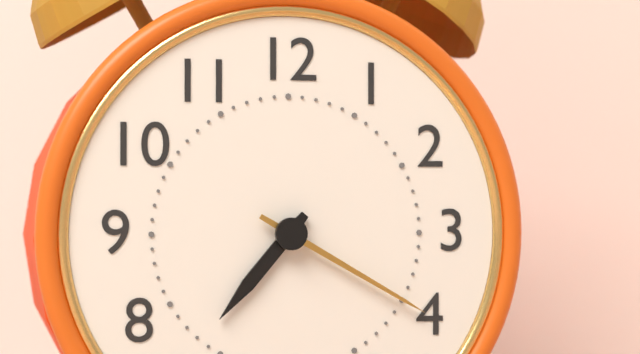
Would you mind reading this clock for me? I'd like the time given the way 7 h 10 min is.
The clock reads 7 h 20 min
